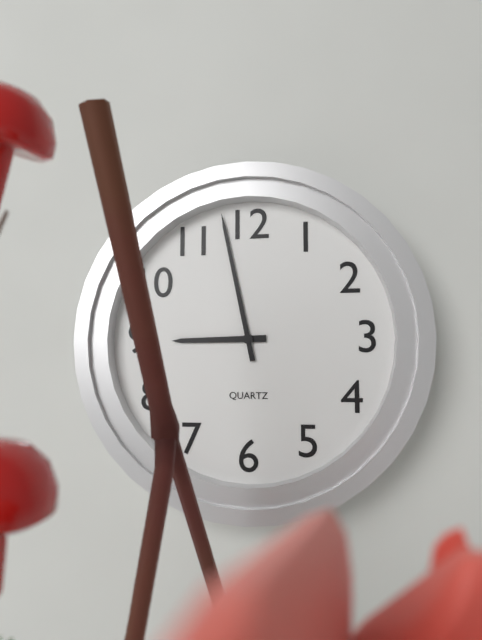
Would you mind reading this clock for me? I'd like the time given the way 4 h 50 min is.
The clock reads 8 h 58 min
